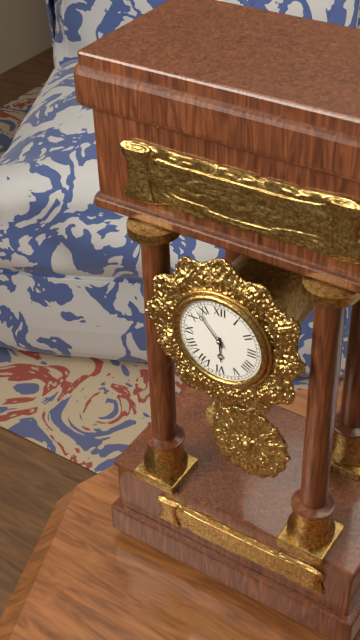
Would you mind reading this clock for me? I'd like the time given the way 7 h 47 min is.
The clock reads 5 h 53 min
